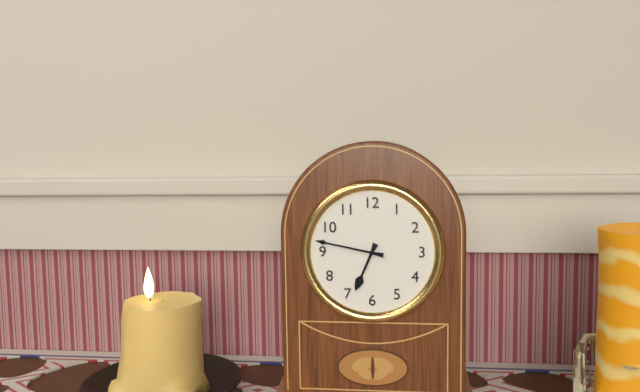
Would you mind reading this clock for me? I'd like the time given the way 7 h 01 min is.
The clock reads 6 h 47 min
